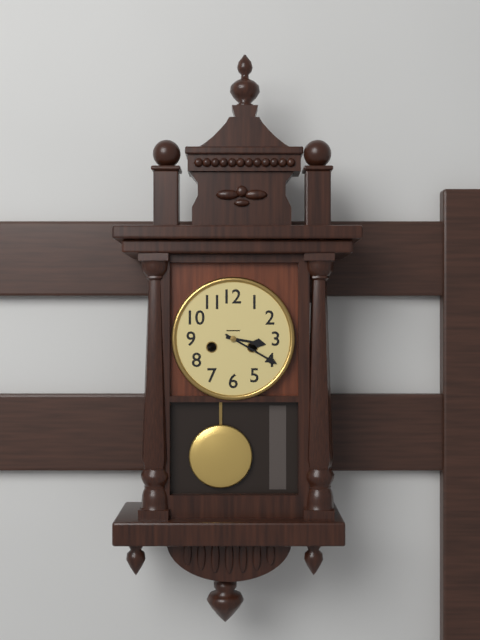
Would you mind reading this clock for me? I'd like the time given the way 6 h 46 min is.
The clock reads 3 h 20 min
